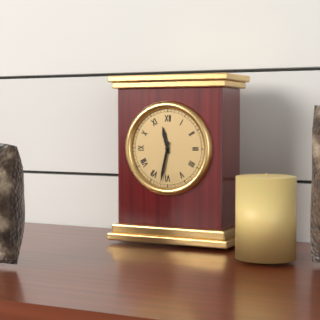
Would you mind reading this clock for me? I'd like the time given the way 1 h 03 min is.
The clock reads 11 h 32 min
